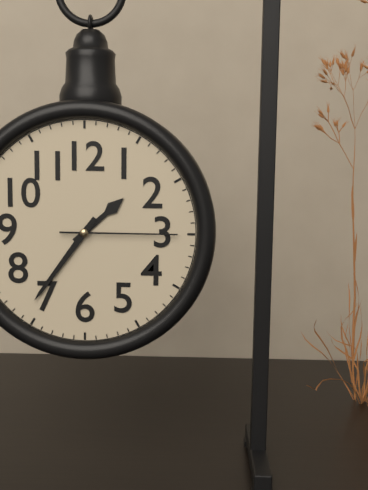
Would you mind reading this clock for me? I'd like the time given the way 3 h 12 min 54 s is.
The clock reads 1 h 36 min 15 s
